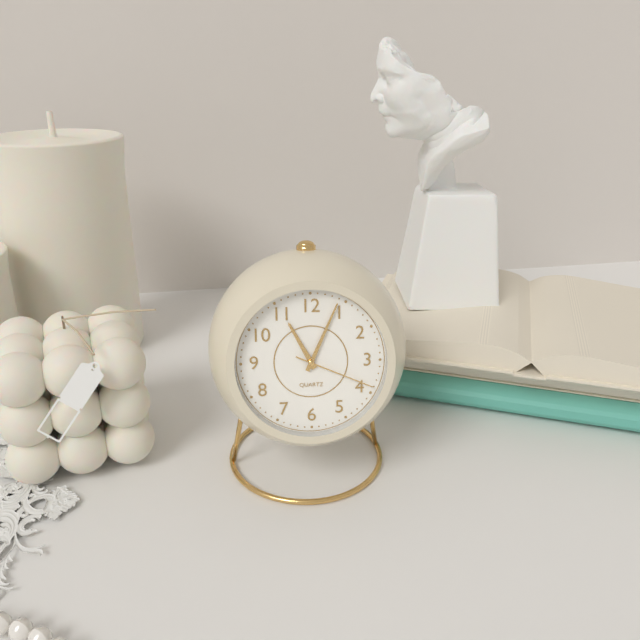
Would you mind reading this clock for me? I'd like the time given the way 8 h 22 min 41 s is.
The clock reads 11 h 04 min 19 s
